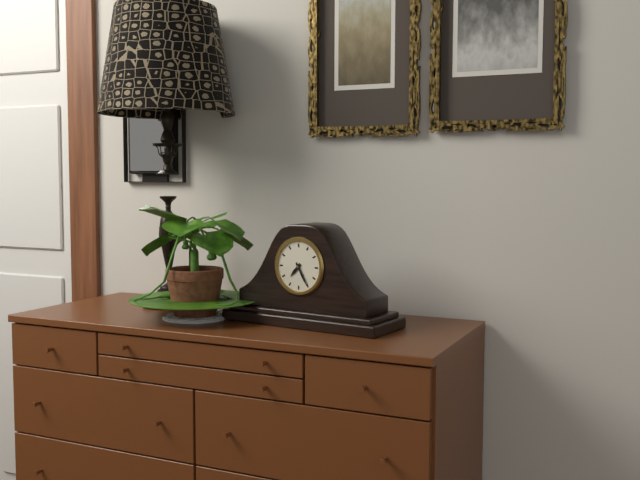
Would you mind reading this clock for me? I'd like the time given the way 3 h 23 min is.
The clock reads 7 h 25 min
